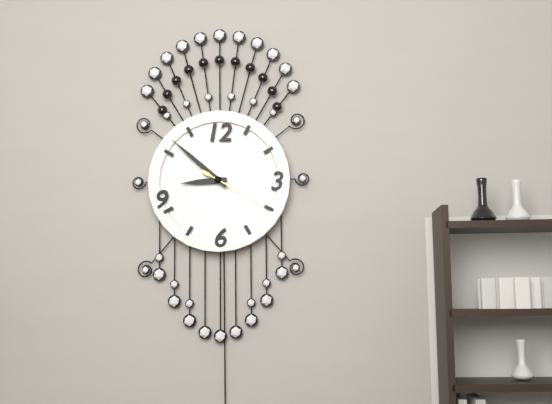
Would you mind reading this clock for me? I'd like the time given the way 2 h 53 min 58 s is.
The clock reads 8 h 52 min 20 s
